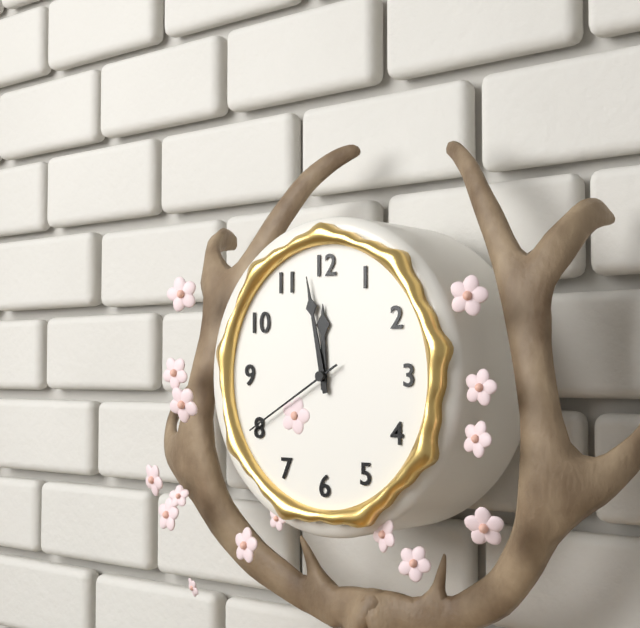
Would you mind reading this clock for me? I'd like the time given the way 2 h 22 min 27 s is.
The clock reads 11 h 58 min 40 s
